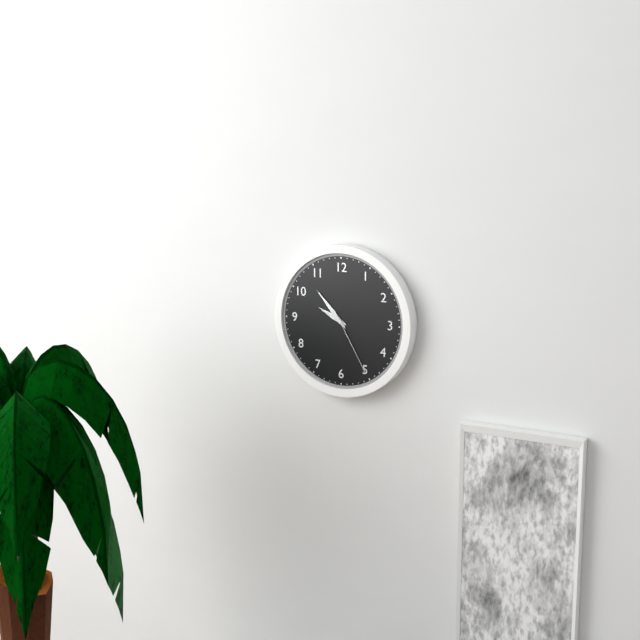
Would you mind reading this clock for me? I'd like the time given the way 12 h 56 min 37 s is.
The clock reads 9 h 53 min 25 s
